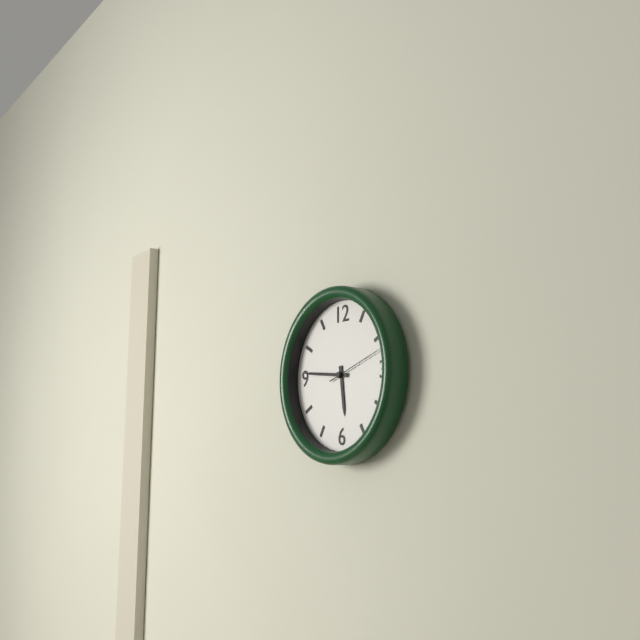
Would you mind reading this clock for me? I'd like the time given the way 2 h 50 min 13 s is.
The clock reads 5 h 46 min 12 s
